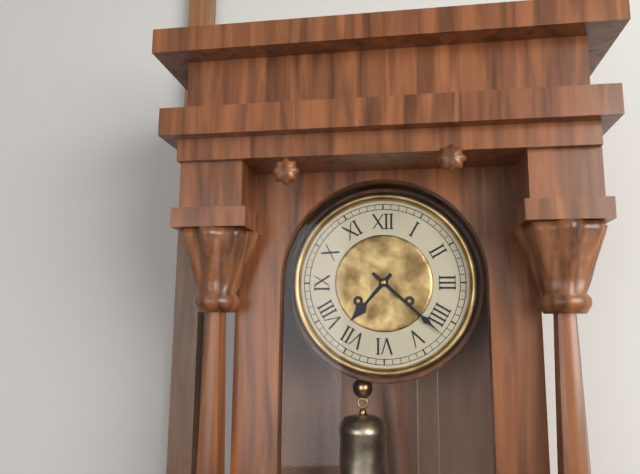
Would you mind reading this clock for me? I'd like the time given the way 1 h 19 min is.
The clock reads 7 h 22 min
